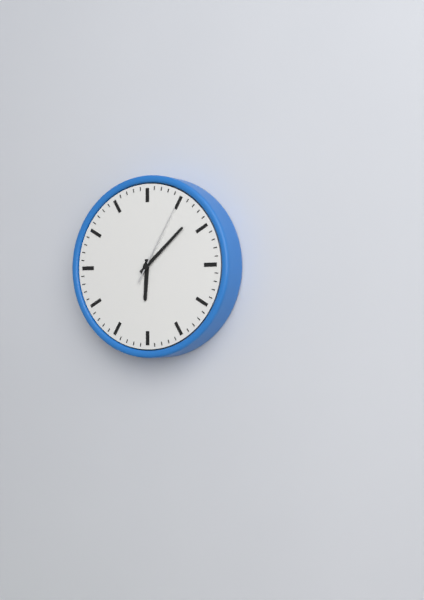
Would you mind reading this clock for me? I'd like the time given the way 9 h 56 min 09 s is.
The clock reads 6 h 08 min 05 s
